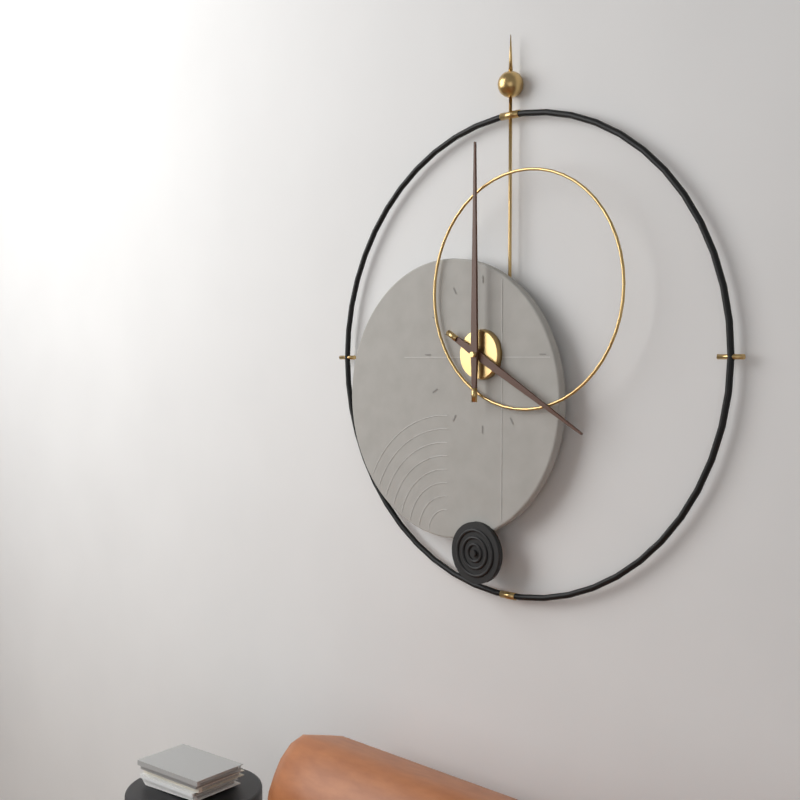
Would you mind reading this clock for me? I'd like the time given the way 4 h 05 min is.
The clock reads 4 h 00 min
